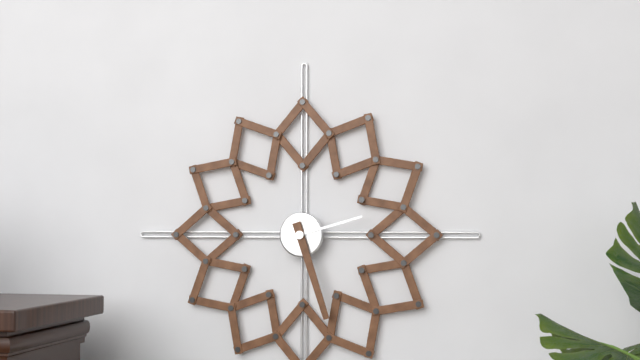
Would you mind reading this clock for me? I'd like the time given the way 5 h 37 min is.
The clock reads 2 h 27 min
